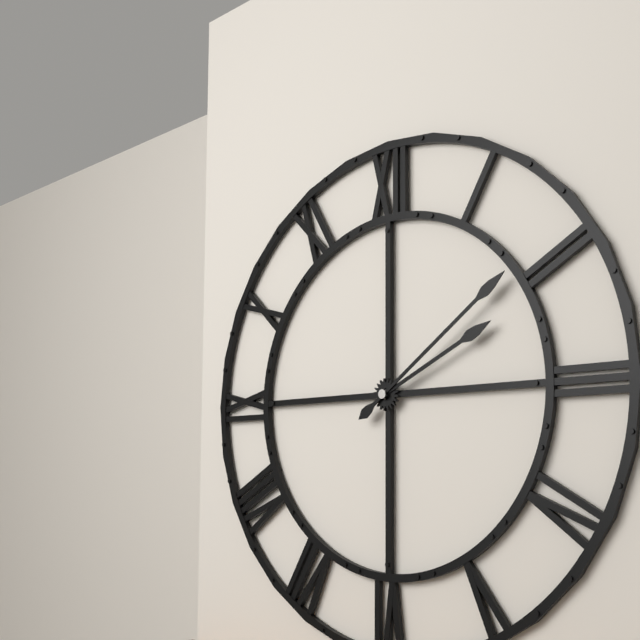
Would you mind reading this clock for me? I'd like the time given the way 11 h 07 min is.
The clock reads 2 h 09 min
